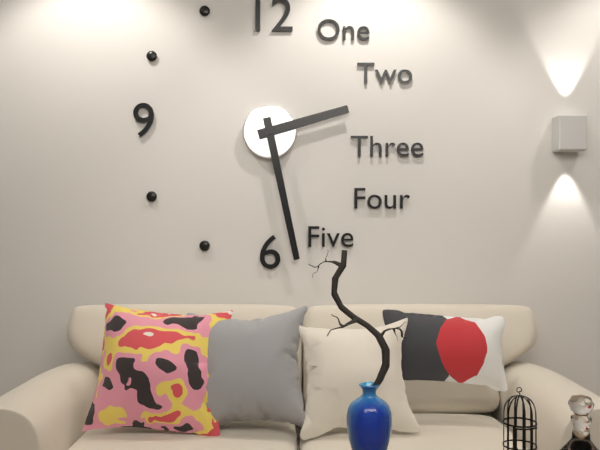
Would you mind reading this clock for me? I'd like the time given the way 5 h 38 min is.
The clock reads 2 h 28 min
